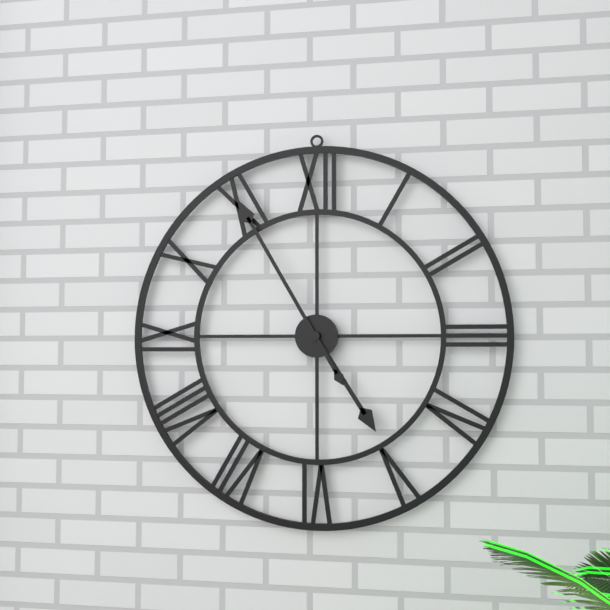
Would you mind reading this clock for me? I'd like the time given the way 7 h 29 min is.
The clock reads 4 h 55 min
